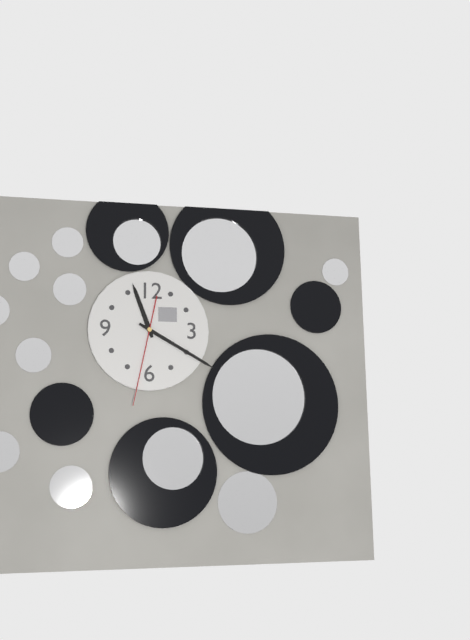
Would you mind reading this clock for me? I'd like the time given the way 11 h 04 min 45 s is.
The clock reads 11 h 20 min 32 s
